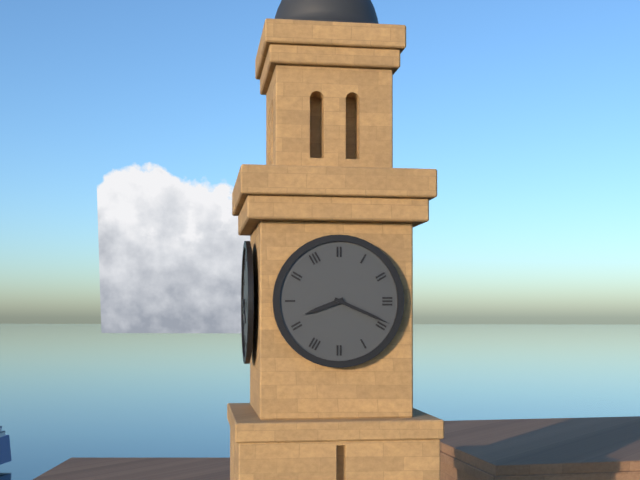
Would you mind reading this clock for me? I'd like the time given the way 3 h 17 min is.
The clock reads 8 h 19 min
